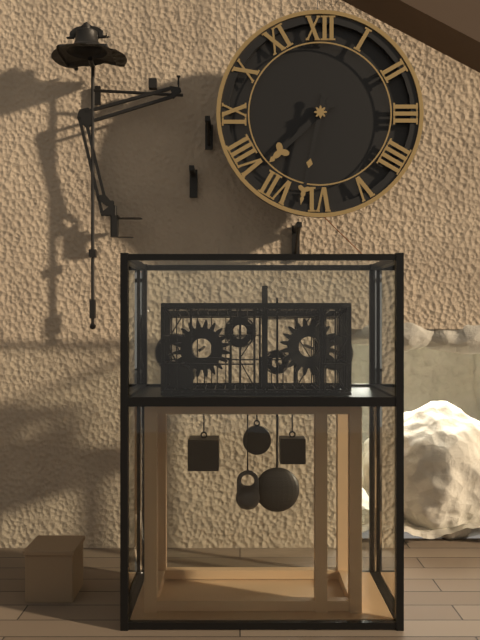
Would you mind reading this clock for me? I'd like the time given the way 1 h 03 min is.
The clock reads 7 h 32 min
